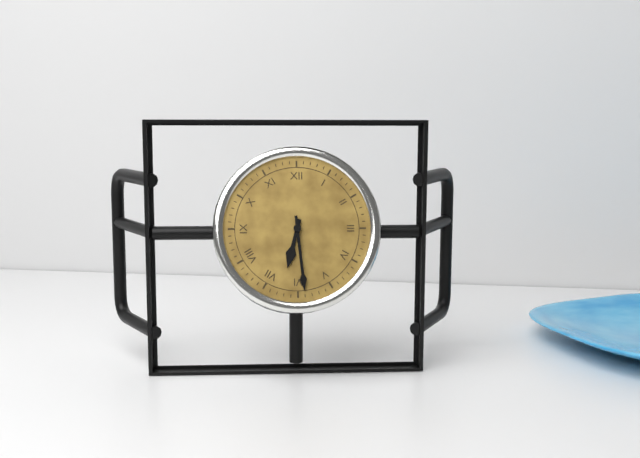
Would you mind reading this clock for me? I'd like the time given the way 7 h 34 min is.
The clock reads 6 h 29 min
